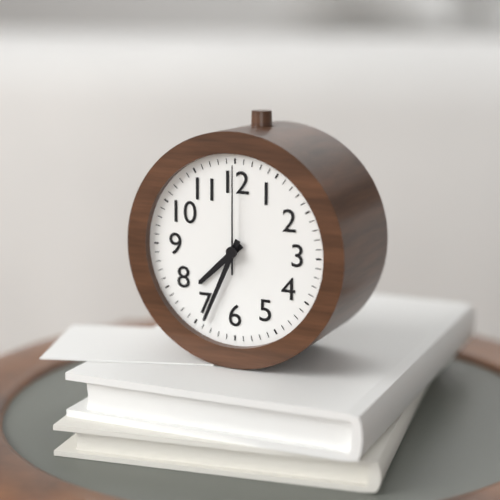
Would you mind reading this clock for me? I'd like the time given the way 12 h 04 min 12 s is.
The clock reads 7 h 34 min 00 s
